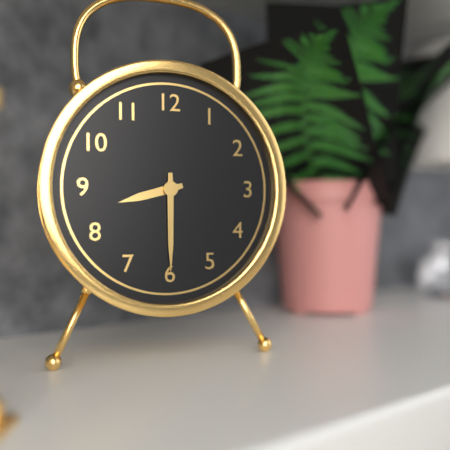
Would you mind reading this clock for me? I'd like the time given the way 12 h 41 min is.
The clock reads 8 h 30 min
